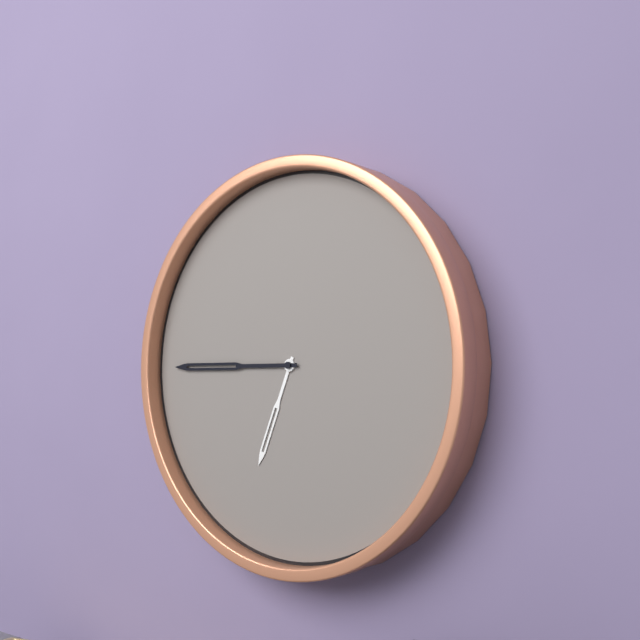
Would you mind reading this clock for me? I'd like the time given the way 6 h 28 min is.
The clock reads 6 h 45 min
